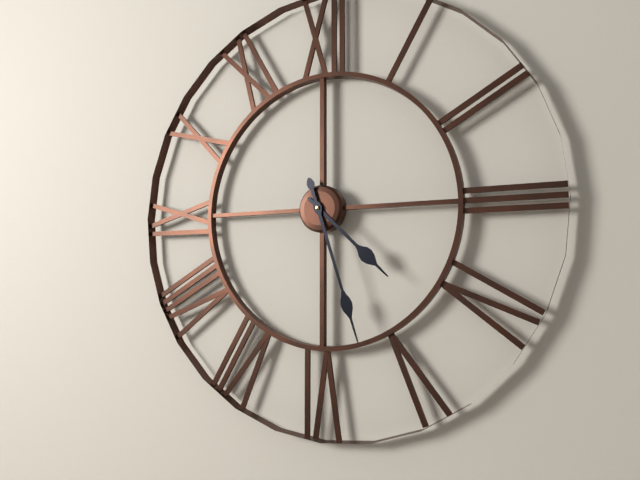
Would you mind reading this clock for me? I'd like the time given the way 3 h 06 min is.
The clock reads 4 h 27 min
